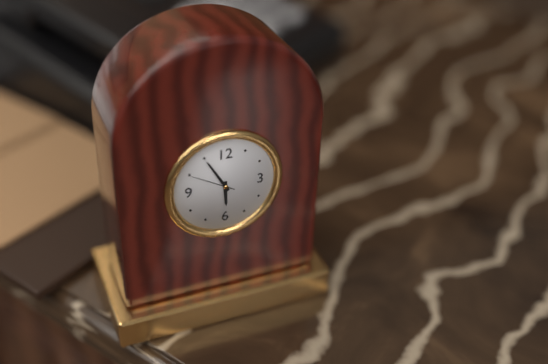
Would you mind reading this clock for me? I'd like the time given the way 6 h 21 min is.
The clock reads 5 h 55 min
